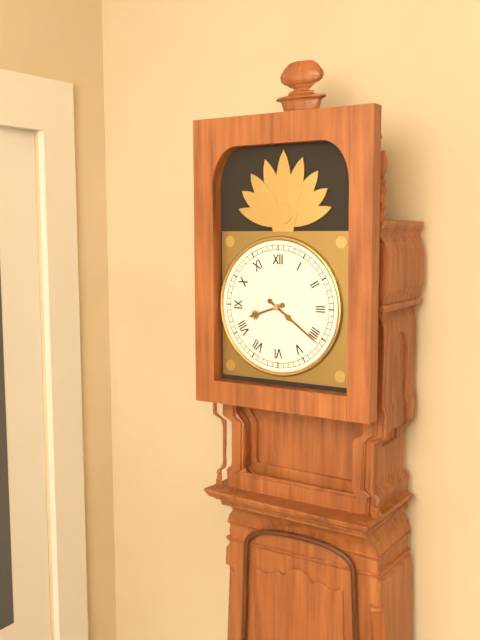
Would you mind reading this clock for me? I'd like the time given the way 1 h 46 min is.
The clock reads 8 h 21 min
